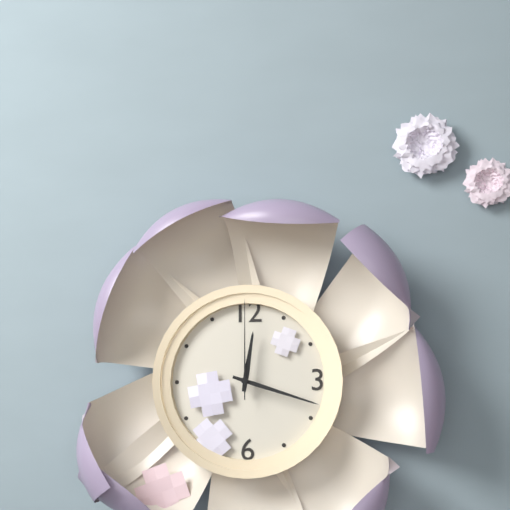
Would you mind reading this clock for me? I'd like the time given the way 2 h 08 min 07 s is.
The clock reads 12 h 18 min 00 s
